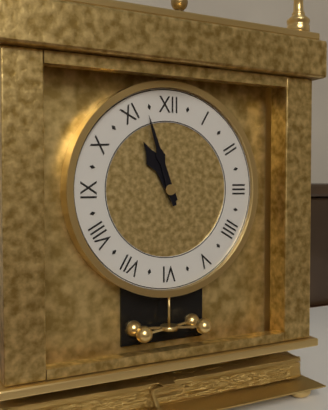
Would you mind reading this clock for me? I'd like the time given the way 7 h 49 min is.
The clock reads 10 h 57 min
